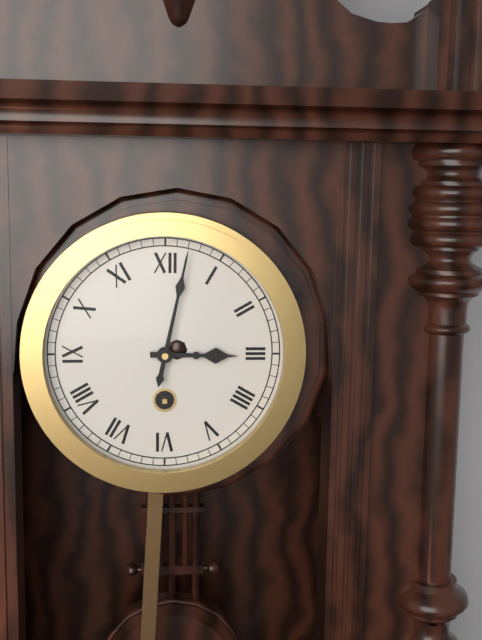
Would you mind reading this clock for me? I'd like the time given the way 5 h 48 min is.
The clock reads 3 h 02 min
